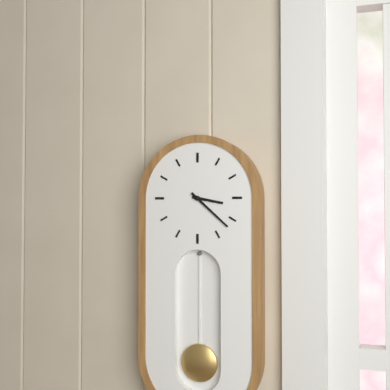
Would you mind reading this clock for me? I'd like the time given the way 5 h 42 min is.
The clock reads 3 h 22 min
